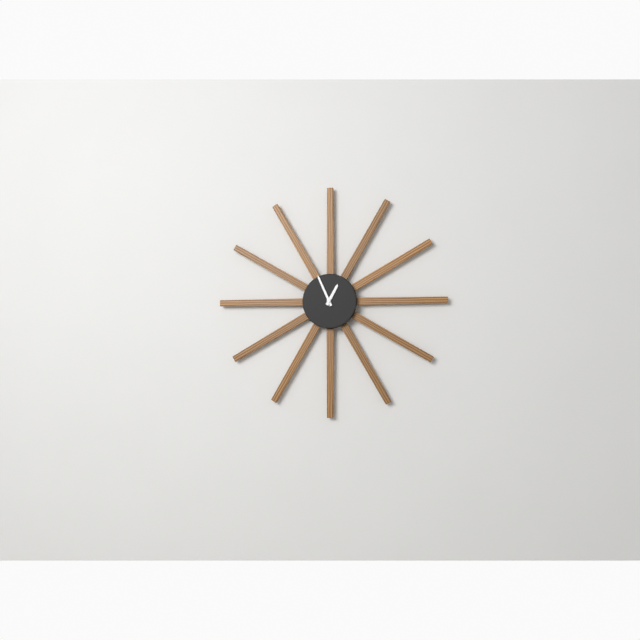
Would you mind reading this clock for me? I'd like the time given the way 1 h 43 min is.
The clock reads 12 h 56 min
